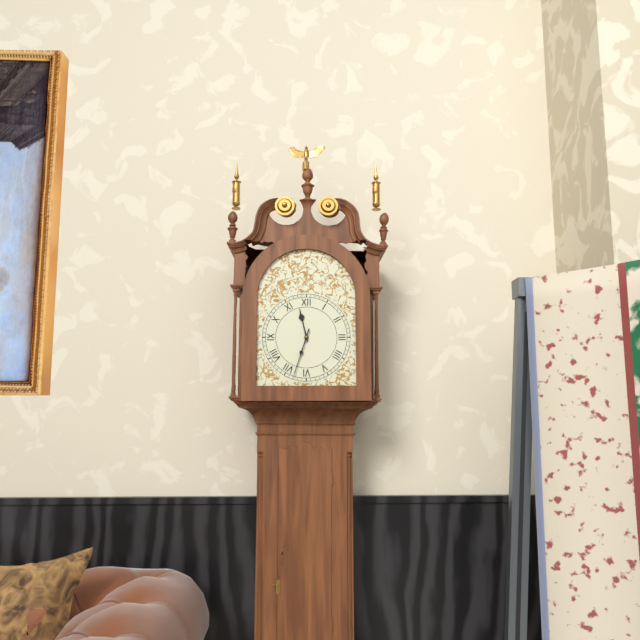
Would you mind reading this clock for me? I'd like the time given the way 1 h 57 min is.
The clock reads 11 h 33 min
